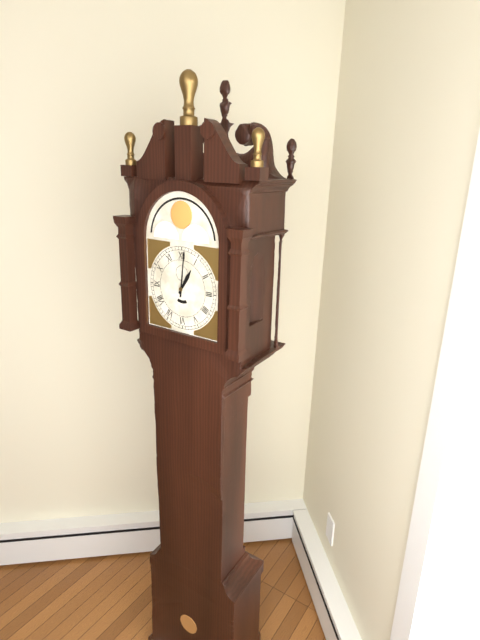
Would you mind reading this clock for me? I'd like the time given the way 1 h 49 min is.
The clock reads 1 h 01 min
